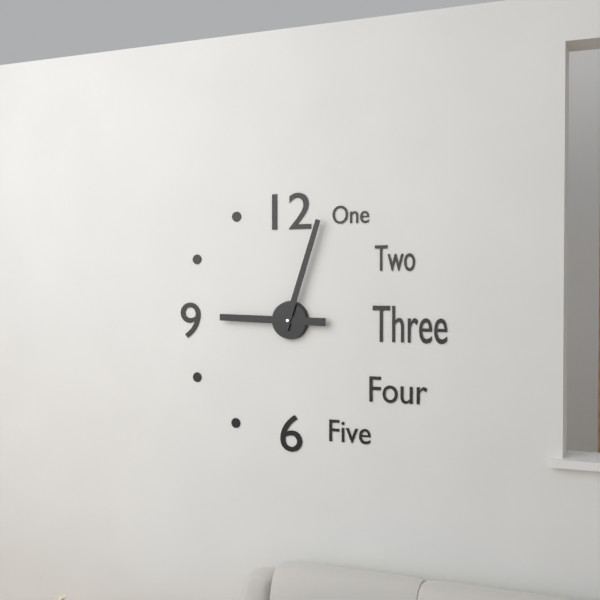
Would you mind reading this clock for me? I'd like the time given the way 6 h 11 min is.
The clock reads 9 h 03 min
